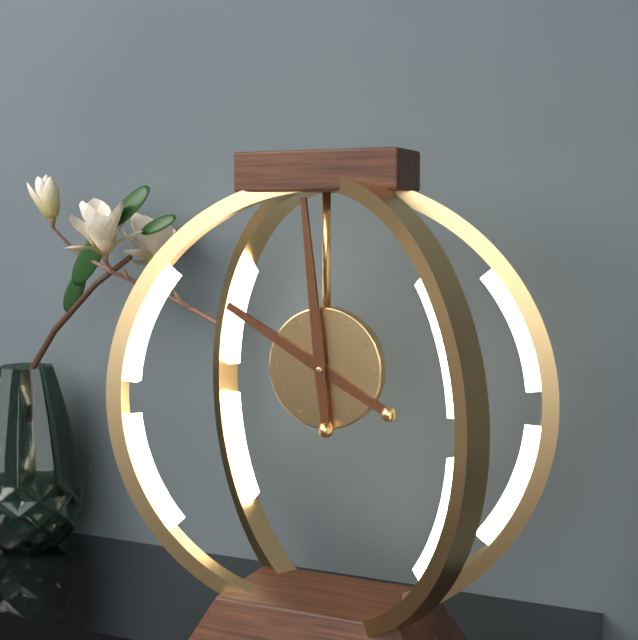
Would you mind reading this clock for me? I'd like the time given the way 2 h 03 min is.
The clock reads 9 h 59 min
